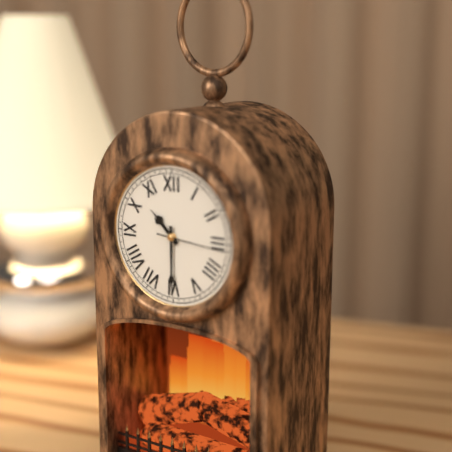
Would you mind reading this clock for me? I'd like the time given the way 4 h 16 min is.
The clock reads 10 h 30 min
